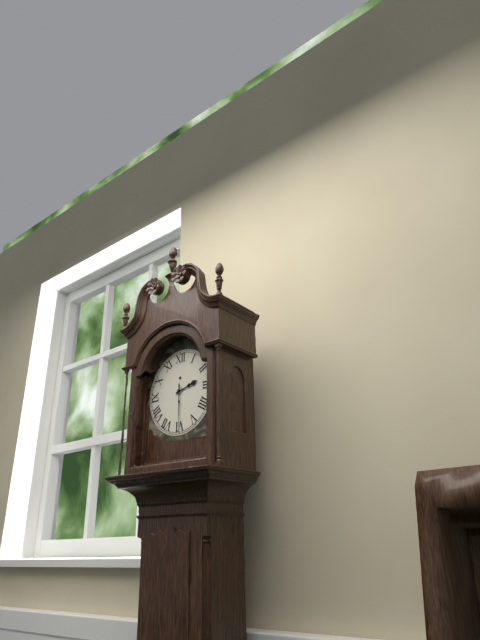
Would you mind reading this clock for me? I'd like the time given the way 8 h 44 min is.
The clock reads 2 h 30 min
